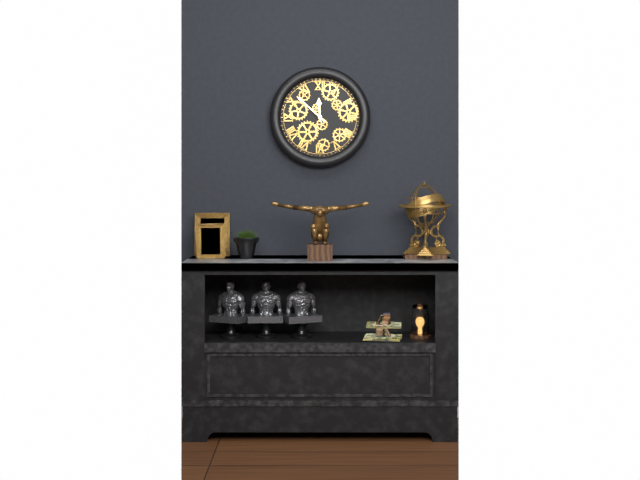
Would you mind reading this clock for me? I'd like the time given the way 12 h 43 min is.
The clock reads 11 h 52 min
